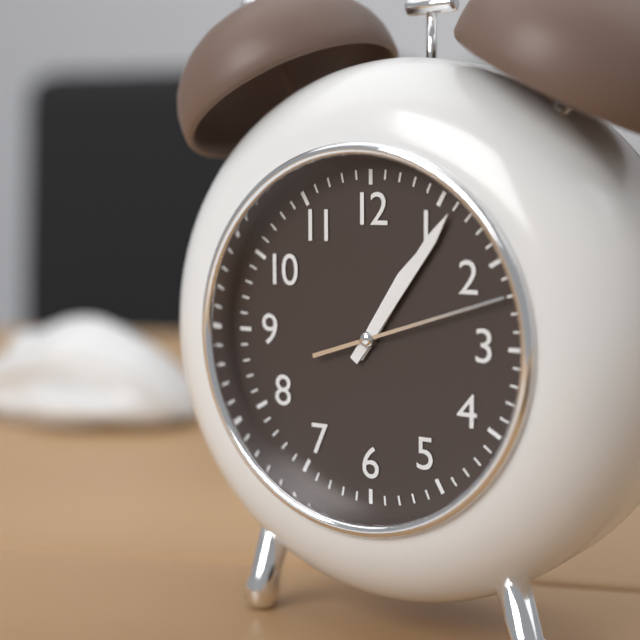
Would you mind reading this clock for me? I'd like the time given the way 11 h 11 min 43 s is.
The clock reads 1 h 06 min 12 s
